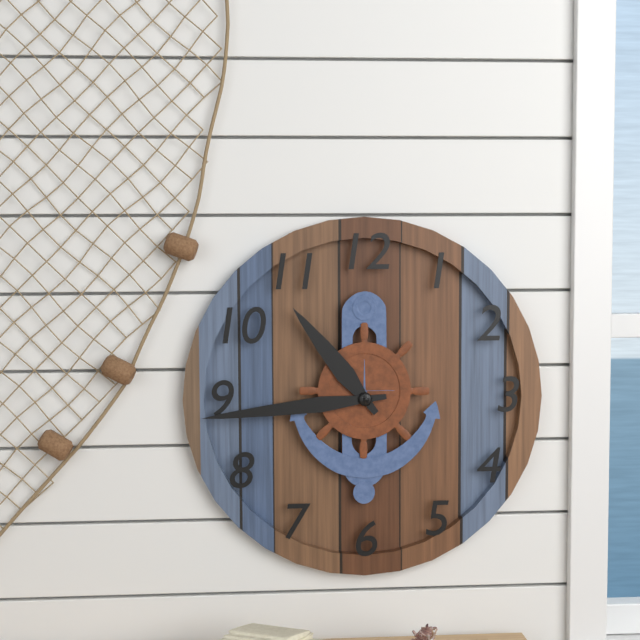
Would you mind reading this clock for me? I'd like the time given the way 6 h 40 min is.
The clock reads 10 h 44 min
